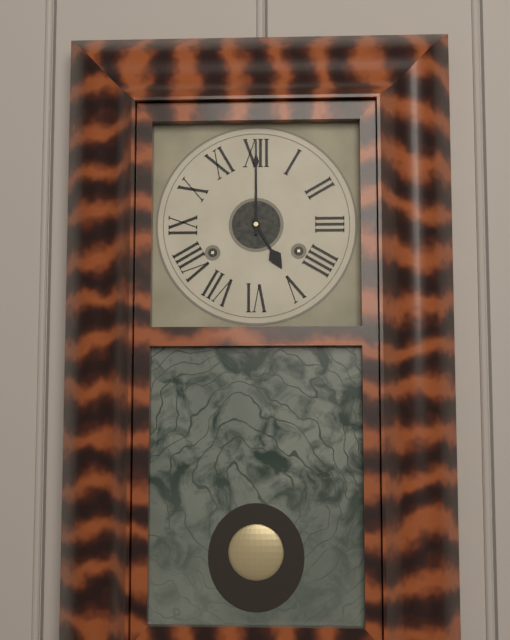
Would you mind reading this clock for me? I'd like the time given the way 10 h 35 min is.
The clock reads 5 h 00 min
